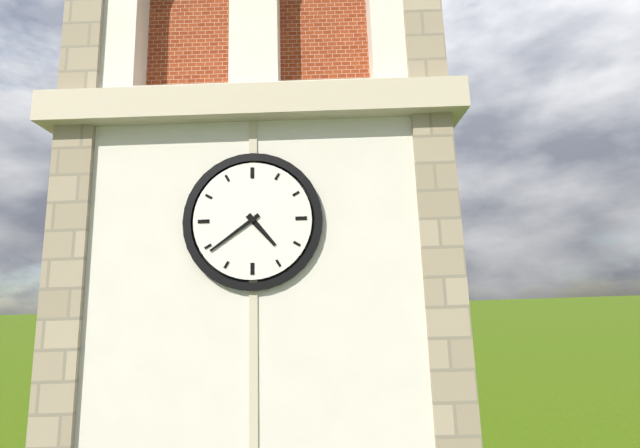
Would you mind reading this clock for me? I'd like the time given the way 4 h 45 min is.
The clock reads 4 h 39 min
